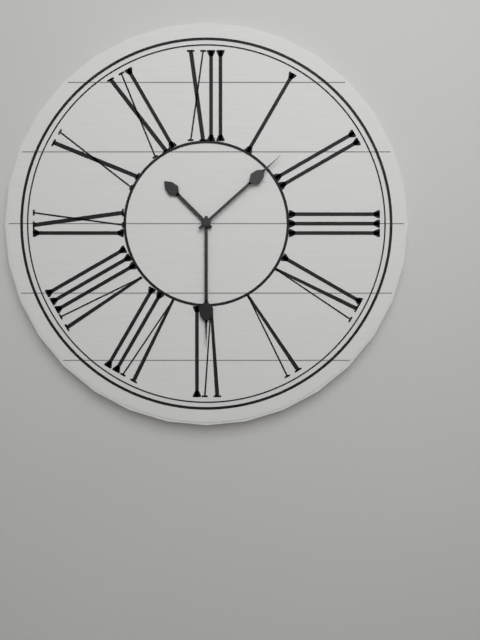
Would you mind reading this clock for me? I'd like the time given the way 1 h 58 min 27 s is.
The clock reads 10 h 30 min 08 s
